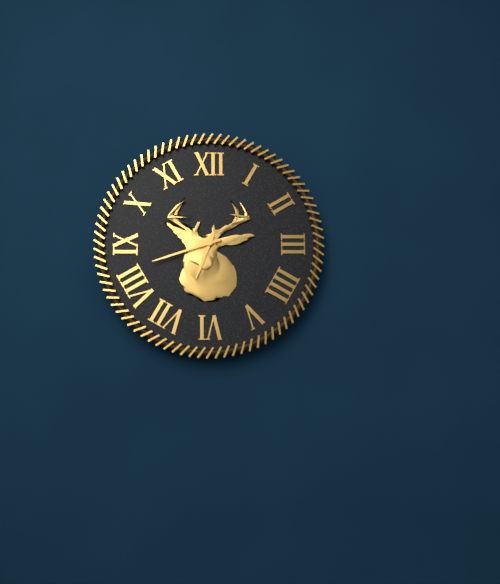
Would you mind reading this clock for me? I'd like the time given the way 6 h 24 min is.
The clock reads 6 h 42 min
